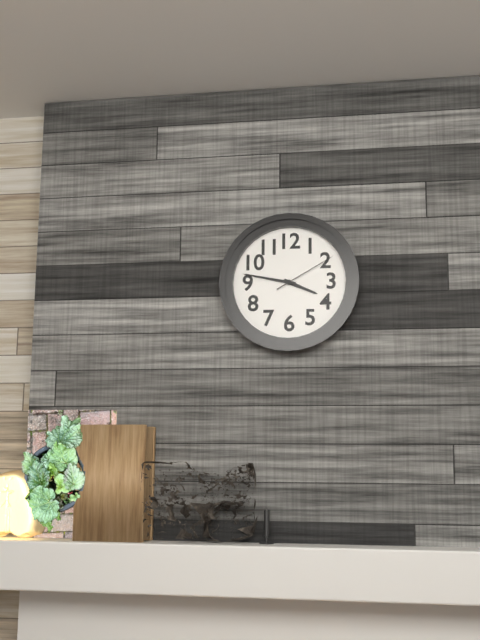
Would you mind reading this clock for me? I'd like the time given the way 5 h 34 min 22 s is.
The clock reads 3 h 47 min 10 s
